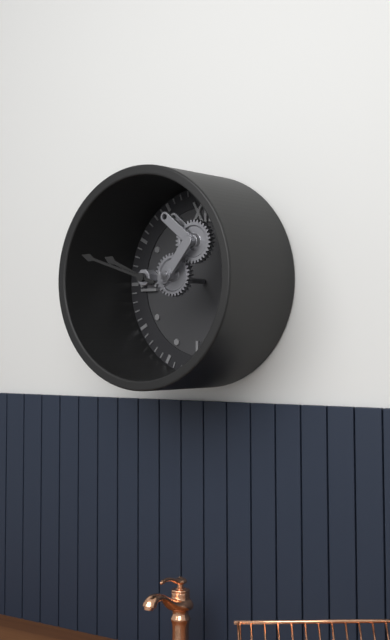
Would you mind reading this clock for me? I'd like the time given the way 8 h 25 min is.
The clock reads 9 h 48 min
